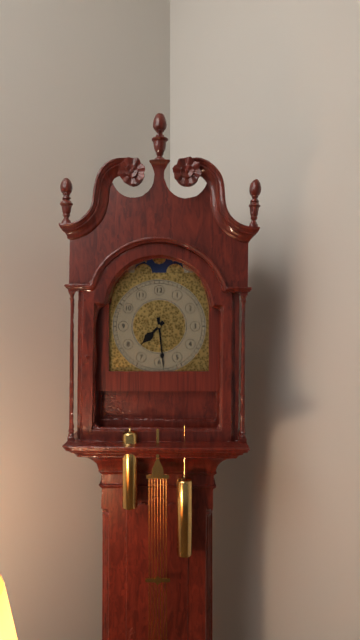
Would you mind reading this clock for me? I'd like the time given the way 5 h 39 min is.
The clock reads 7 h 29 min
